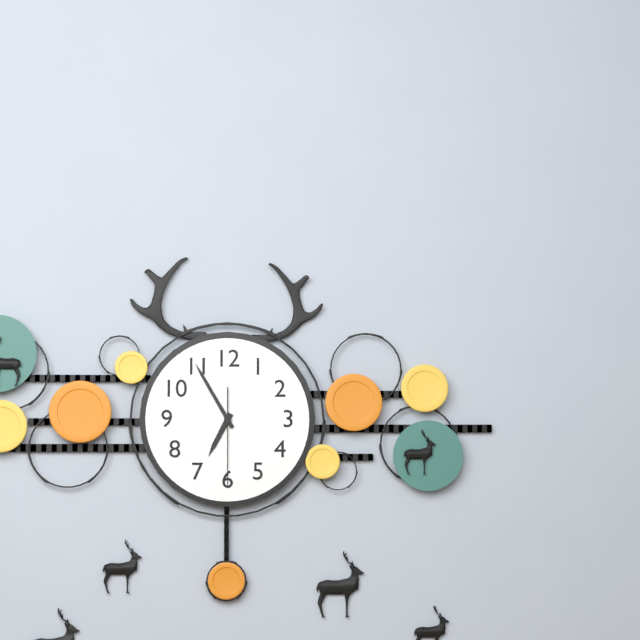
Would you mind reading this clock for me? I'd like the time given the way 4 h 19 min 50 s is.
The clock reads 6 h 55 min 30 s
